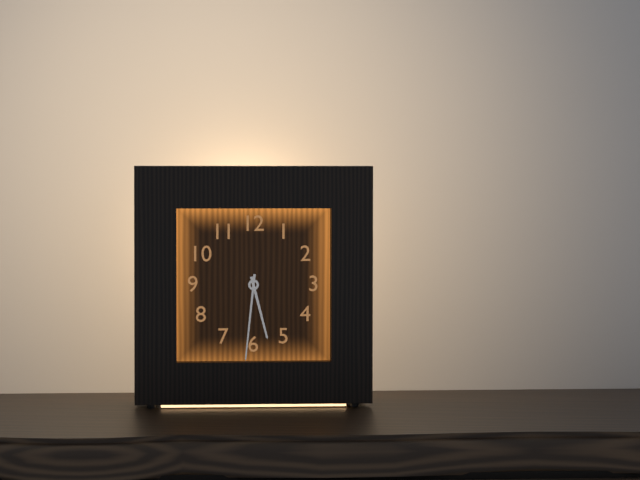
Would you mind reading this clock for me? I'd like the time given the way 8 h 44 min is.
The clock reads 5 h 31 min
